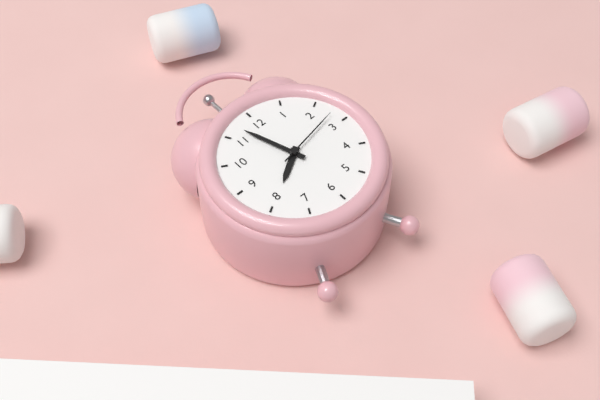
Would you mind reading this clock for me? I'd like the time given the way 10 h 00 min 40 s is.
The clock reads 7 h 57 min 13 s
